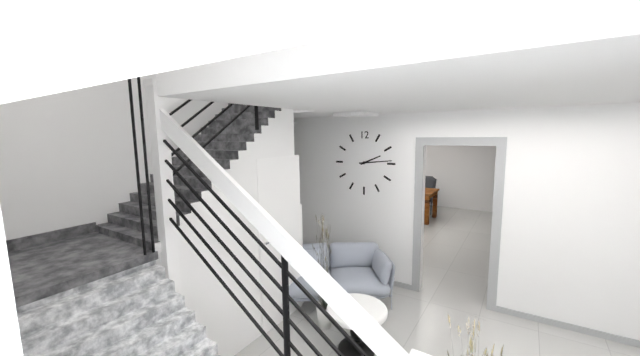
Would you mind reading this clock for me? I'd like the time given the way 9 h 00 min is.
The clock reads 2 h 14 min
